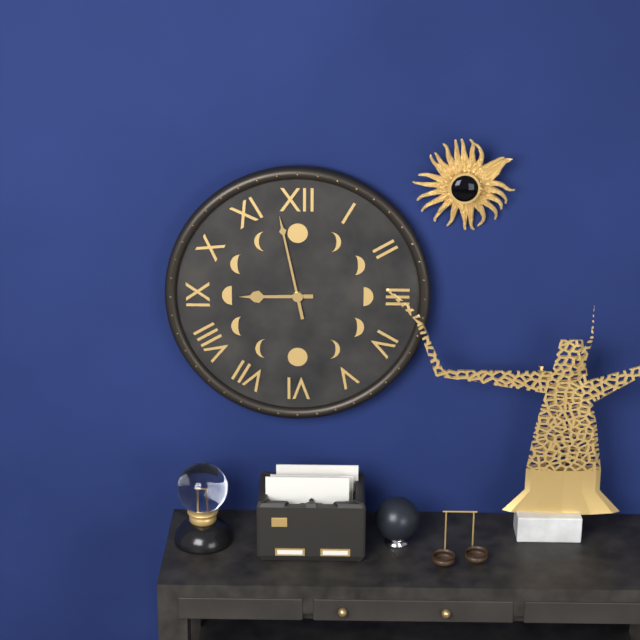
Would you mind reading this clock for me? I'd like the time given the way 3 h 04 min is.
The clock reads 8 h 58 min
